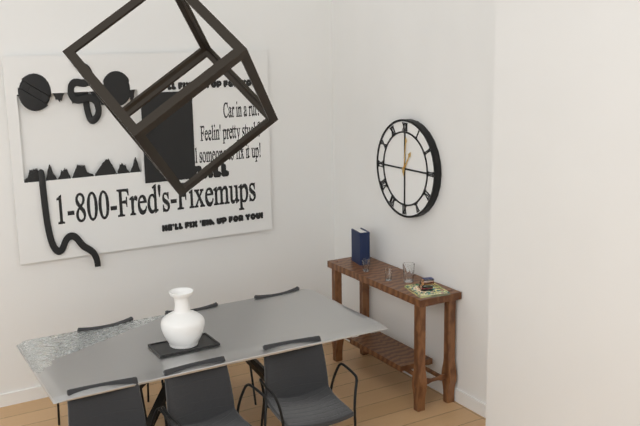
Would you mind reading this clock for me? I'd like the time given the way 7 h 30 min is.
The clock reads 1 h 01 min
